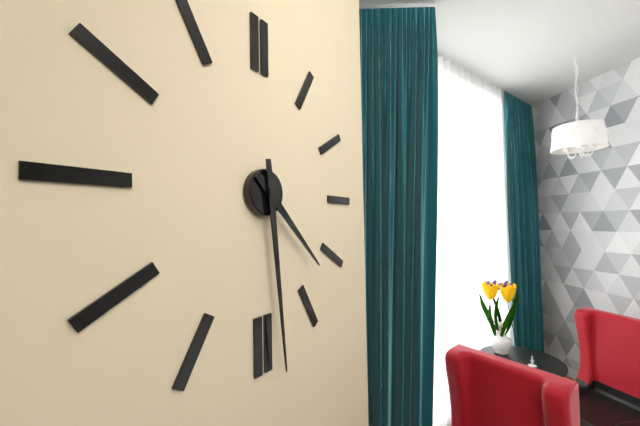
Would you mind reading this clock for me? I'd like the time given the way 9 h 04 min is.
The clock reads 4 h 29 min
